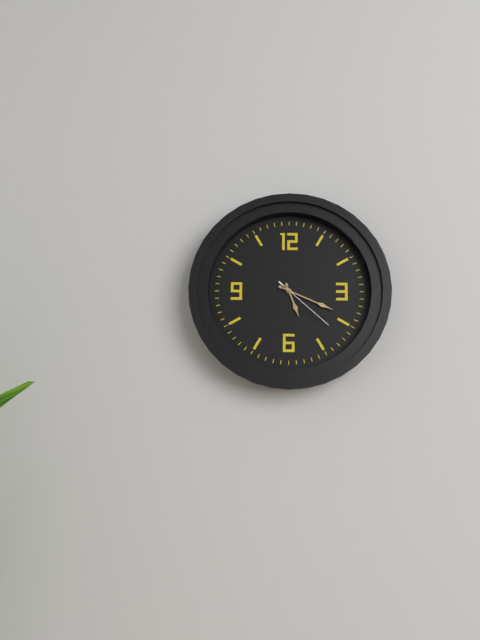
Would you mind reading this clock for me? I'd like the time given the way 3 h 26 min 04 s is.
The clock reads 5 h 19 min 22 s
